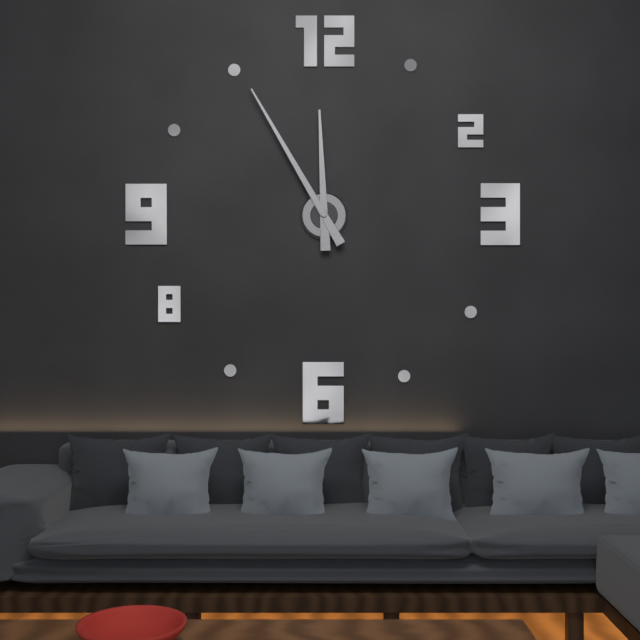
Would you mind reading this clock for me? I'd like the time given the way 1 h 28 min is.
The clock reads 11 h 55 min
